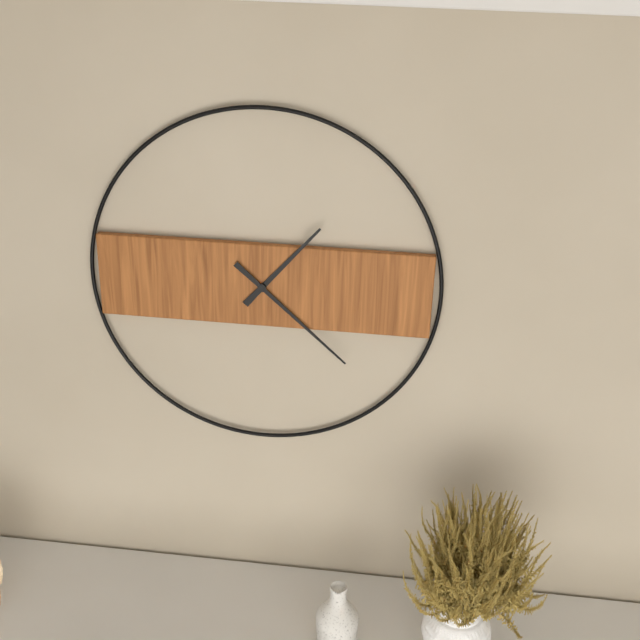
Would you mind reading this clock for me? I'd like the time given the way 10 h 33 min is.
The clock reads 1 h 22 min
